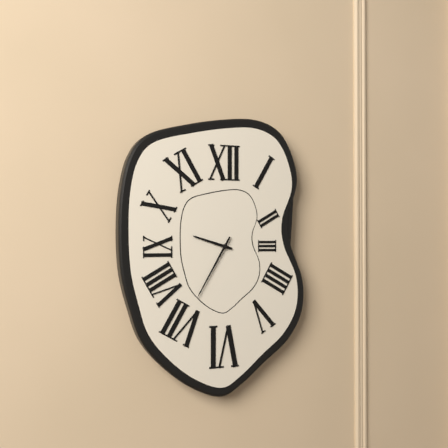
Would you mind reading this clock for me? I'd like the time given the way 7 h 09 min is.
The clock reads 9 h 35 min
